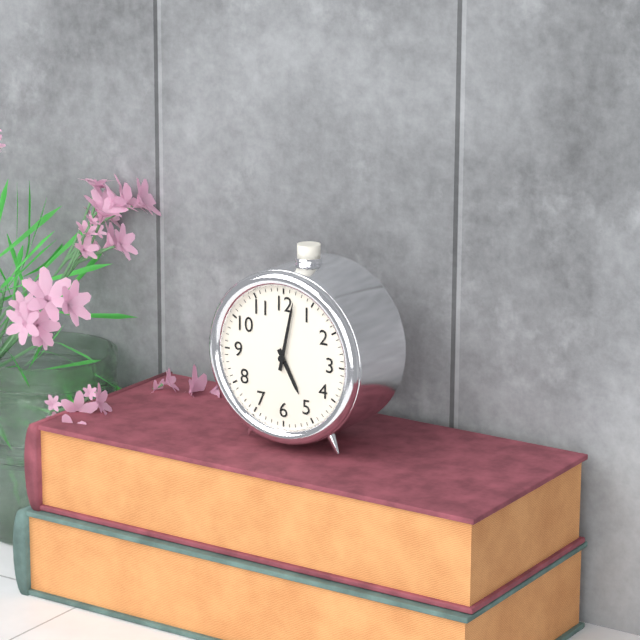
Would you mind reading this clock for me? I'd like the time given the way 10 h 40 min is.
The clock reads 5 h 02 min
